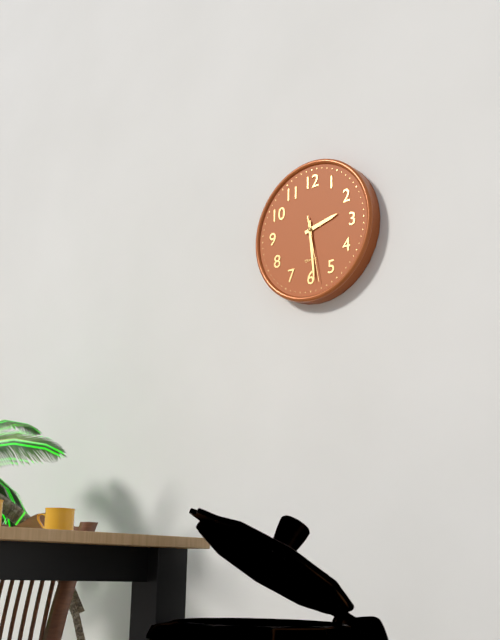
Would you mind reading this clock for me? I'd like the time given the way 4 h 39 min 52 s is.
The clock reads 2 h 29 min 28 s
